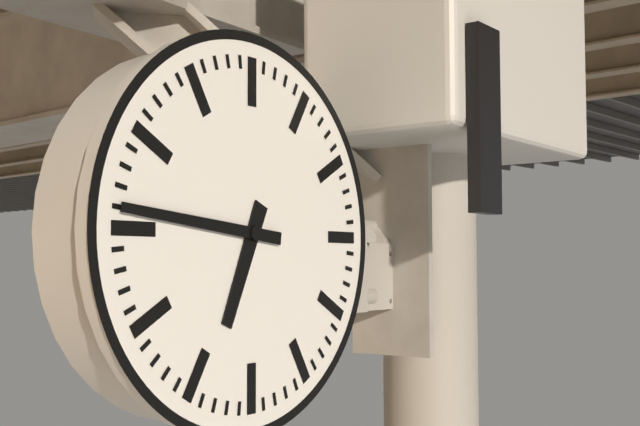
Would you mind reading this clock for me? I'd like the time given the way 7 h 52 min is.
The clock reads 6 h 46 min
